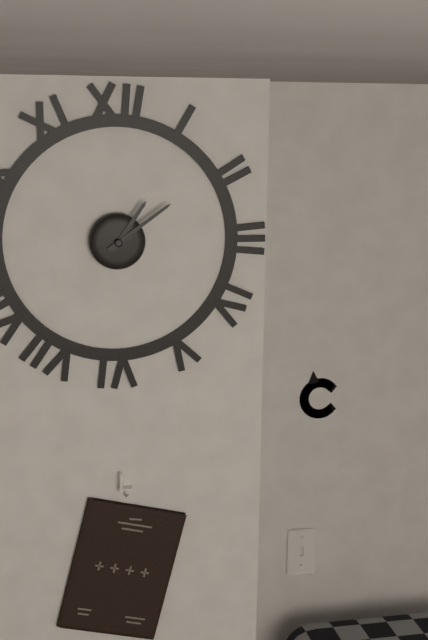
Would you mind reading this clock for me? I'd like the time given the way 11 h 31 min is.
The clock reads 1 h 09 min
